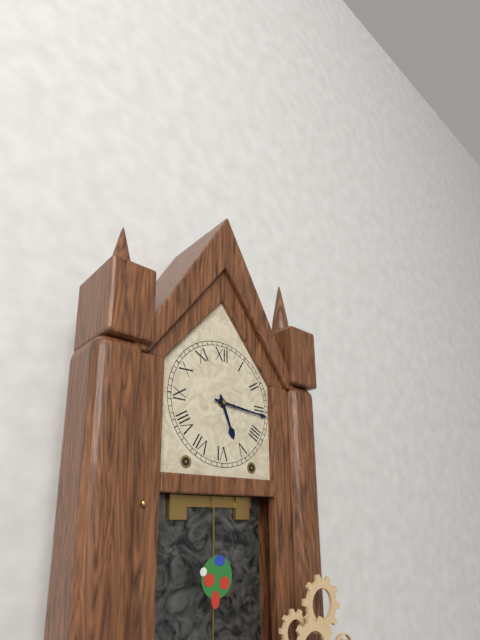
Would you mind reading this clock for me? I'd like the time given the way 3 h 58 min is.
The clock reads 5 h 16 min
